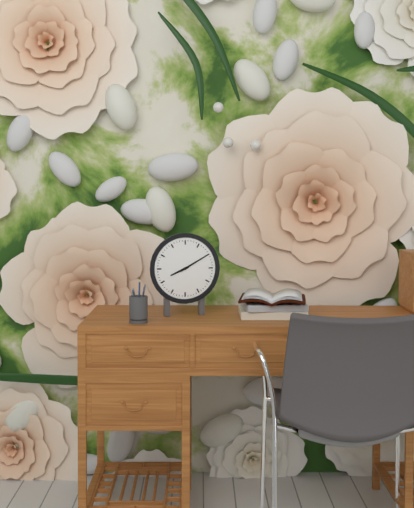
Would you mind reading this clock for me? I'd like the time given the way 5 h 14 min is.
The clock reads 8 h 10 min
